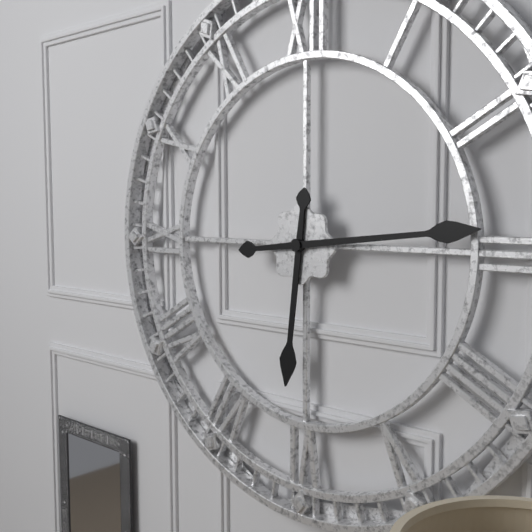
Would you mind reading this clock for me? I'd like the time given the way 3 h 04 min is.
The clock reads 6 h 14 min
